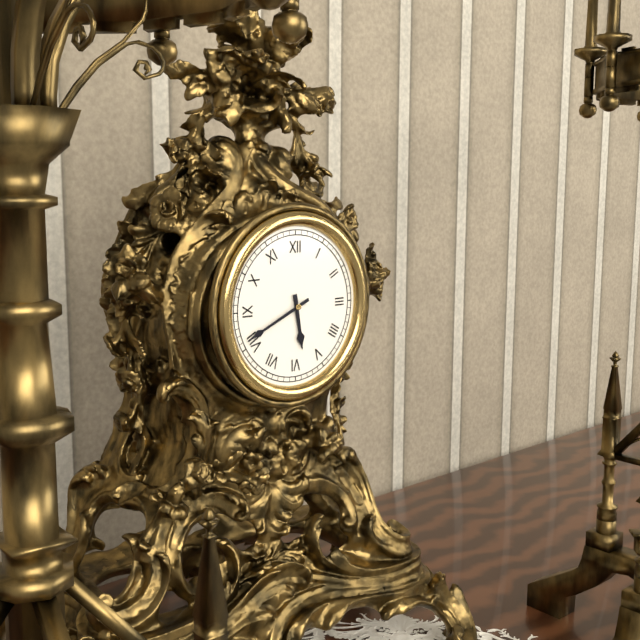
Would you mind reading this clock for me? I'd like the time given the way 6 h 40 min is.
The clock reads 5 h 41 min
